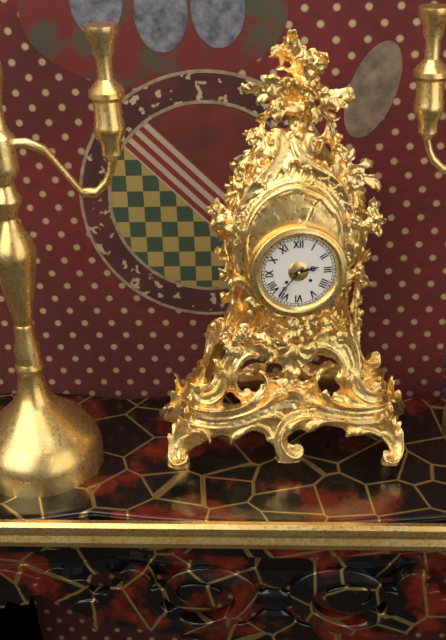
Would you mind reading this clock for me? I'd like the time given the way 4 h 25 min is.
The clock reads 2 h 37 min
